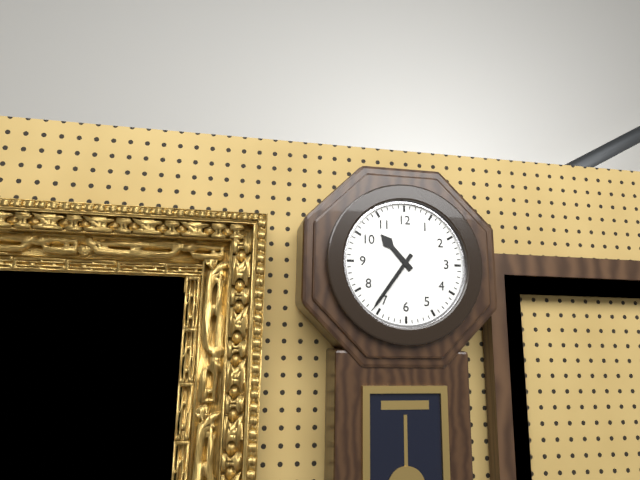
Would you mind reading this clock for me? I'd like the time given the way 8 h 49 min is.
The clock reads 10 h 36 min
